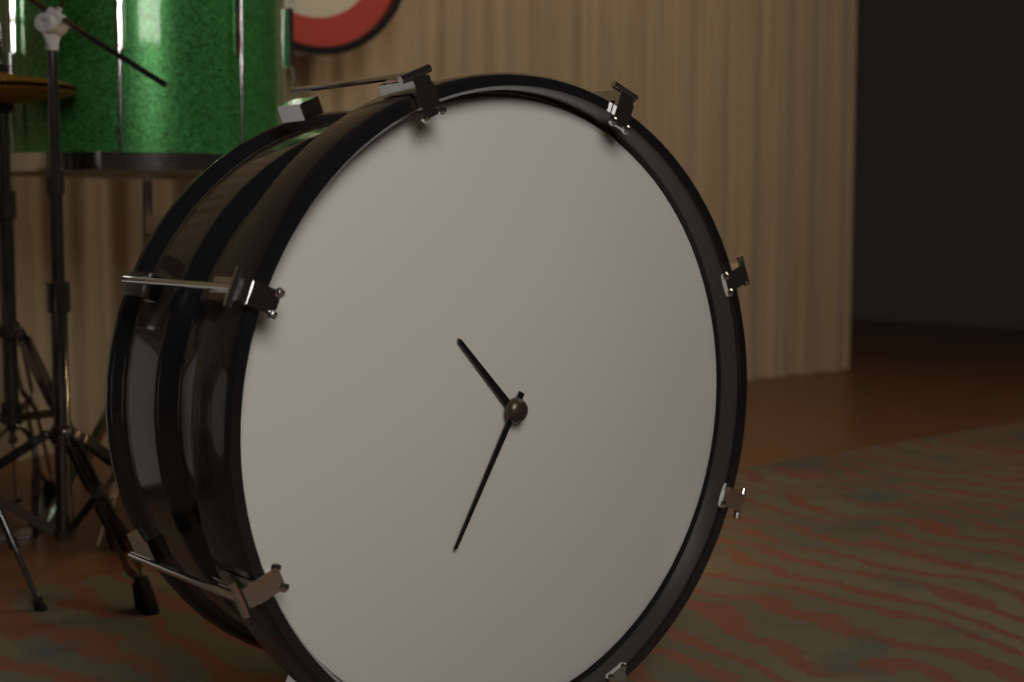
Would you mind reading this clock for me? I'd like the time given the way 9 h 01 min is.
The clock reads 10 h 35 min
